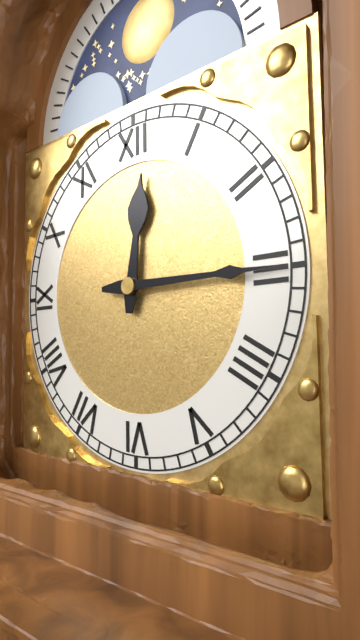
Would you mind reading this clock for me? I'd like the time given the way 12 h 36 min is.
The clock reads 12 h 15 min
